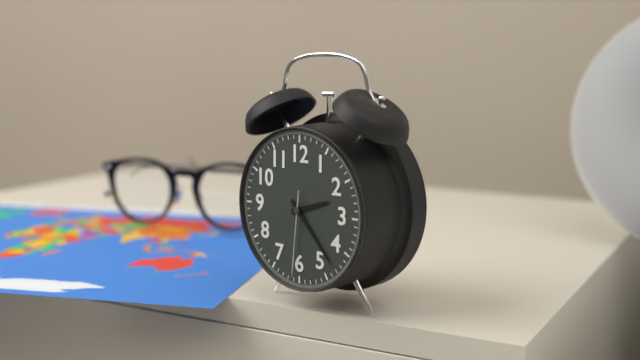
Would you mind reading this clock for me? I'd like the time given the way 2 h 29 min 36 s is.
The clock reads 2 h 23 min 31 s
